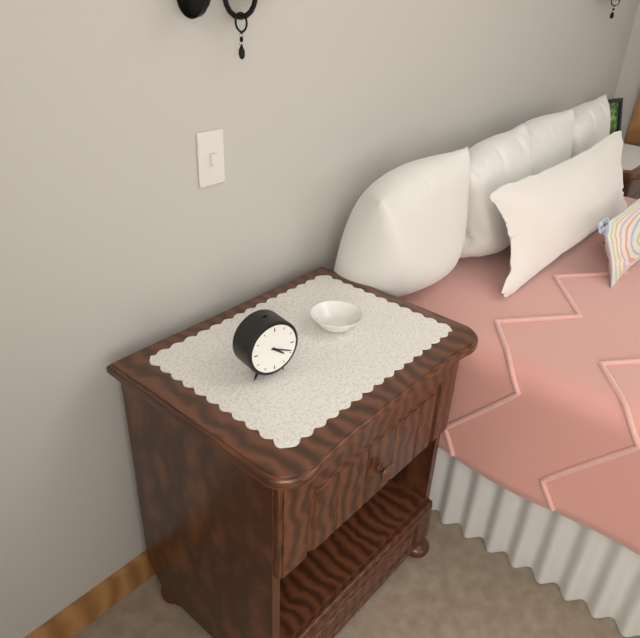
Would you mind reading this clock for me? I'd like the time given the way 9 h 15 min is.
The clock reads 4 h 19 min
